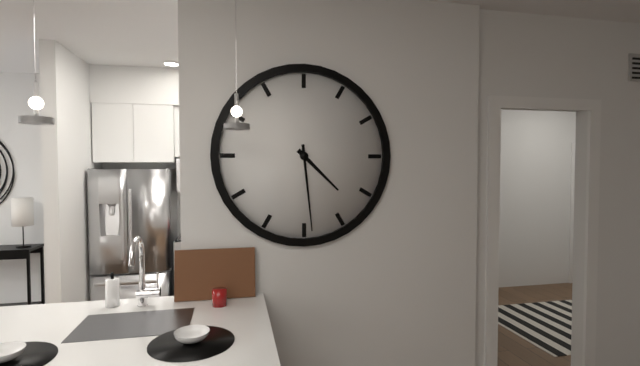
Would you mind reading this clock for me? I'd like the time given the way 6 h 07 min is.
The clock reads 4 h 29 min
